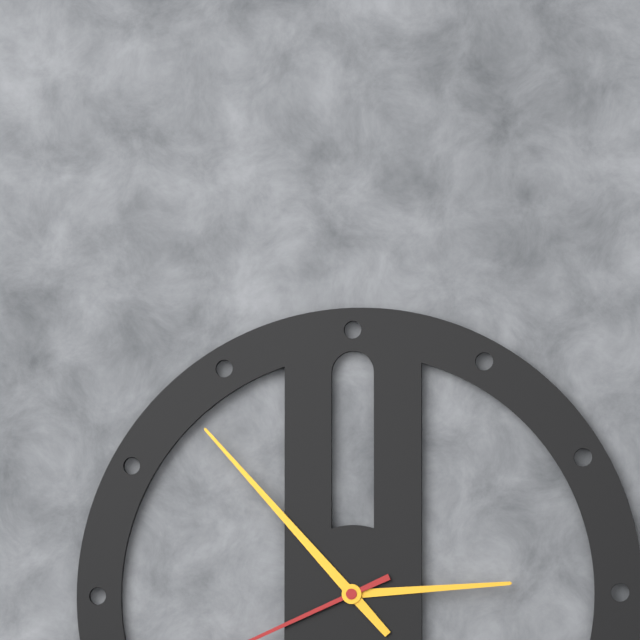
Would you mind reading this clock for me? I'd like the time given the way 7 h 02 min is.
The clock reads 2 h 53 min
